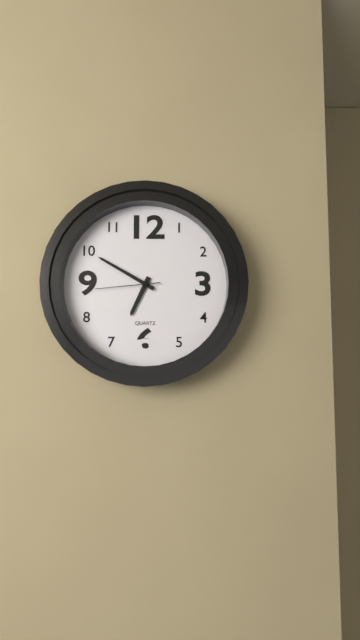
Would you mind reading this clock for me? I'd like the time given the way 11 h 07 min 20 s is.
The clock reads 6 h 50 min 44 s
